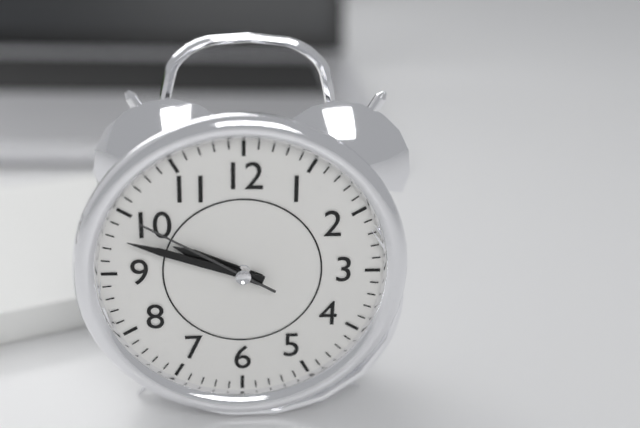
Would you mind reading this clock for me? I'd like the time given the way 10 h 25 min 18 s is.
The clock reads 9 h 48 min 50 s
